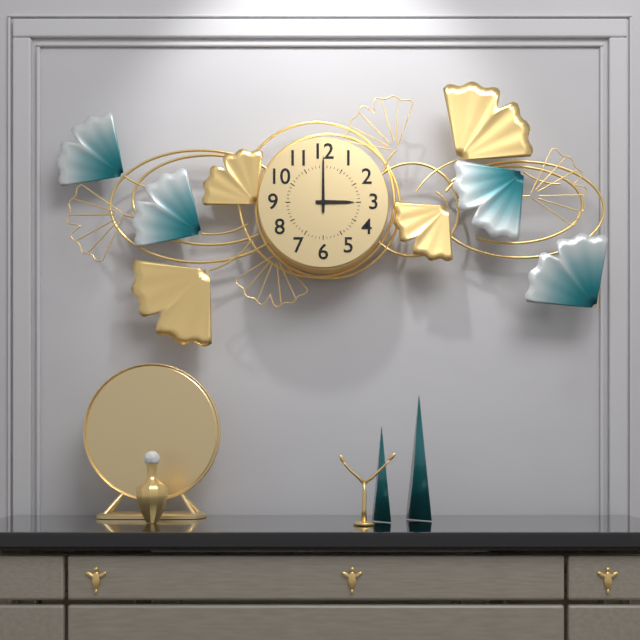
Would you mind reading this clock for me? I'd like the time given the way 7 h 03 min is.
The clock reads 3 h 00 min
